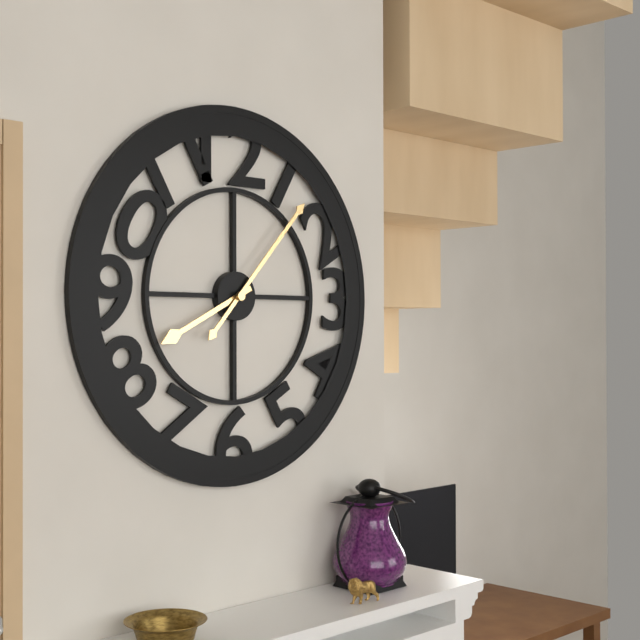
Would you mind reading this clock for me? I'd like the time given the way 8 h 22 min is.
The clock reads 8 h 07 min
